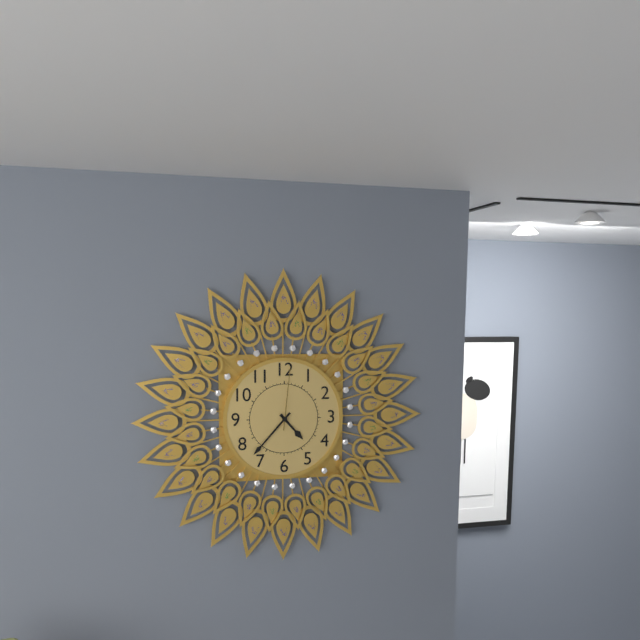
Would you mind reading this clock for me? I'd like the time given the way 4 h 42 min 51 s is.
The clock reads 4 h 37 min 01 s
